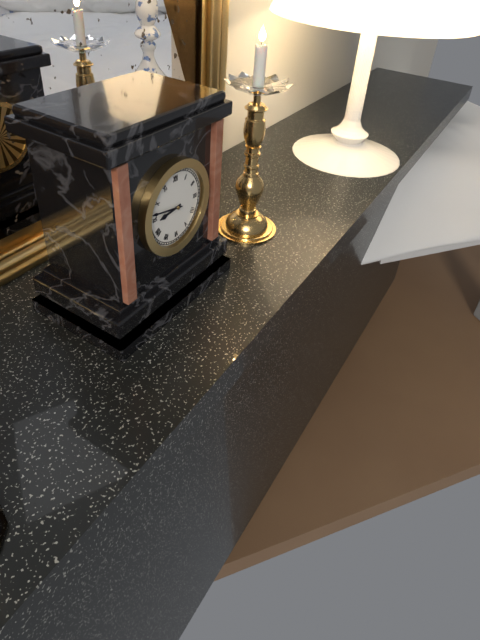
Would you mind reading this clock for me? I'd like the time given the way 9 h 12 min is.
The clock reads 8 h 47 min
